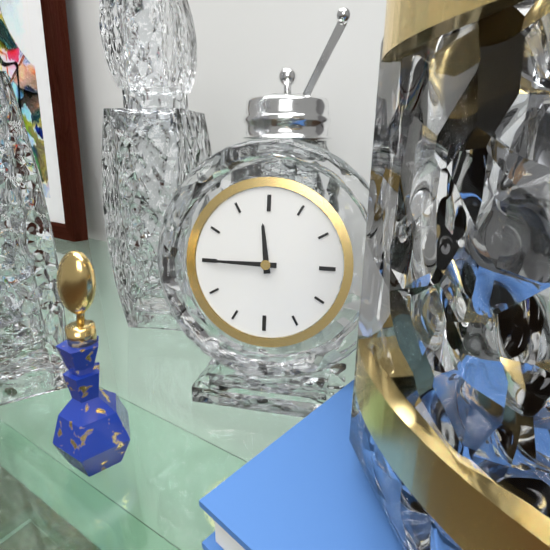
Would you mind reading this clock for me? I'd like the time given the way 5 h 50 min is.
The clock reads 11 h 45 min
